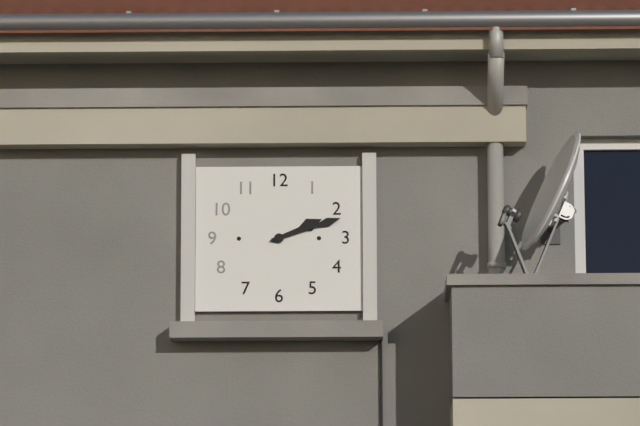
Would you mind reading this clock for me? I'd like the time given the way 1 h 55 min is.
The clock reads 2 h 12 min
